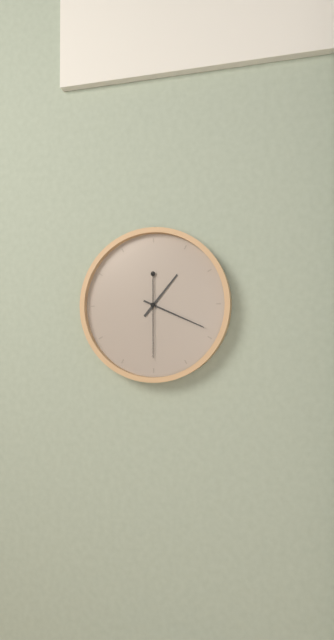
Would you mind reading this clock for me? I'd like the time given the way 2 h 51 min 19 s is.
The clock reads 1 h 19 min 30 s
